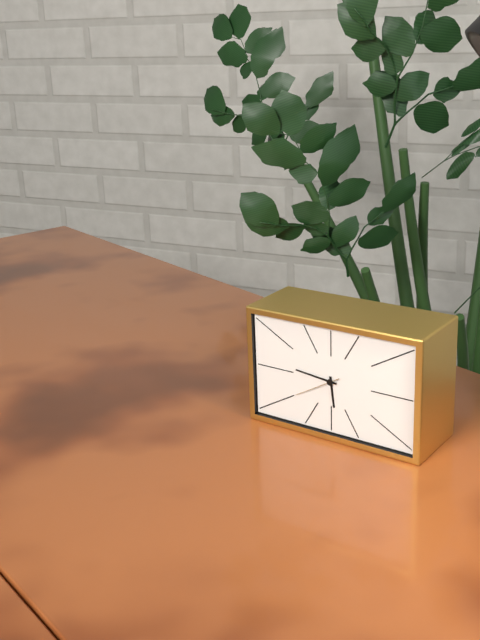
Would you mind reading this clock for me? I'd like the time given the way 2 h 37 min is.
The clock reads 5 h 46 min
